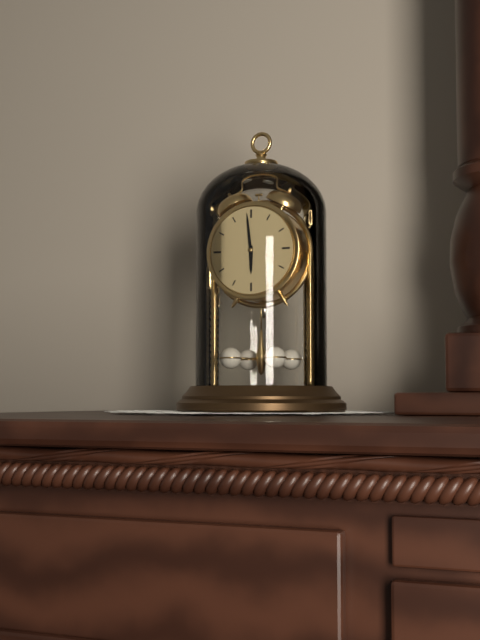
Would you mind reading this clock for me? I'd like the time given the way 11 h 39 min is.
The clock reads 5 h 59 min
